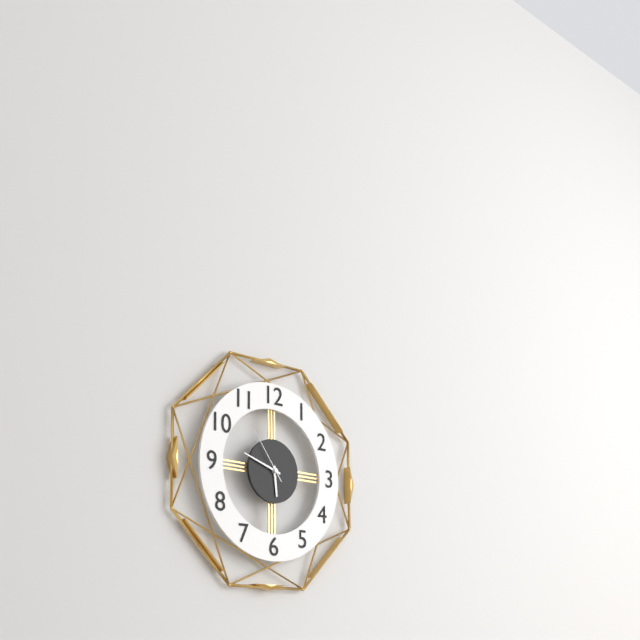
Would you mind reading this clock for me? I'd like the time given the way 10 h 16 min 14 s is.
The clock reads 5 h 48 min 54 s
